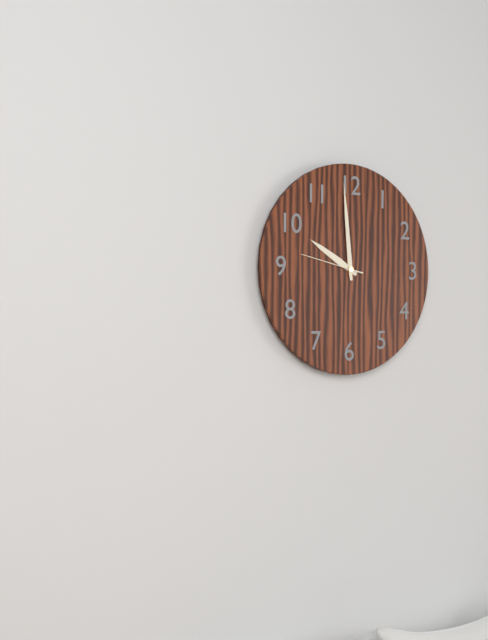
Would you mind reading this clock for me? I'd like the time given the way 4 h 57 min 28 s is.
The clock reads 9 h 59 min 47 s
